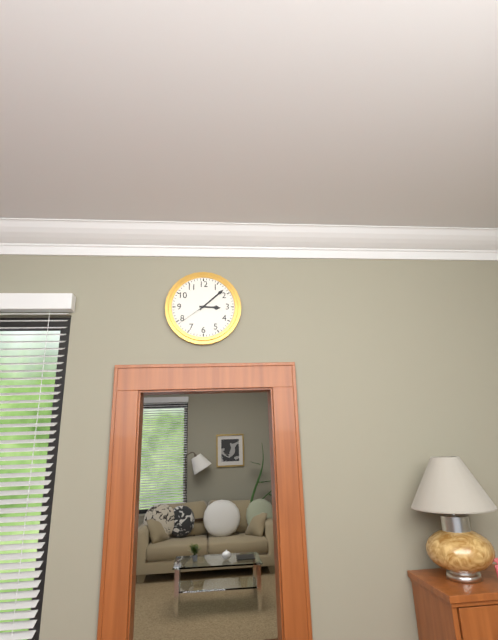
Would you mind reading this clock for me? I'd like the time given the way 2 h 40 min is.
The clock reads 3 h 08 min
